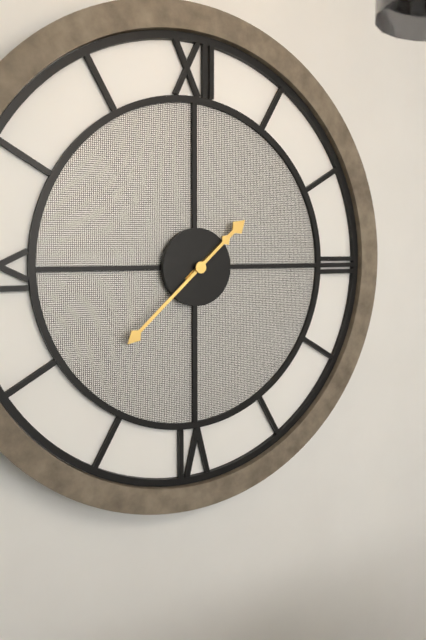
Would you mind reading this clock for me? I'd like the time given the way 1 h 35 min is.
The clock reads 1 h 38 min
